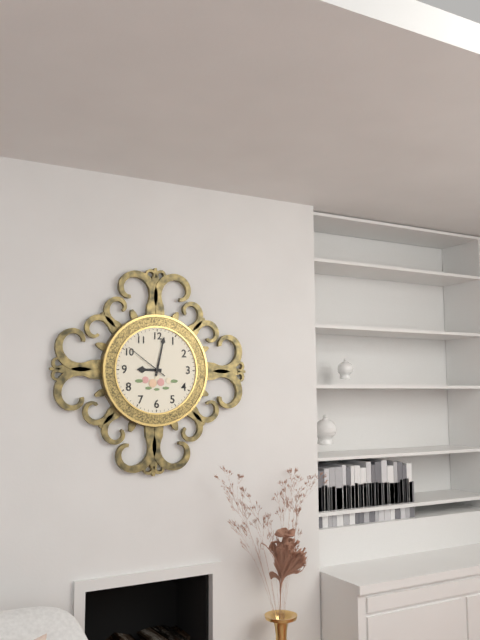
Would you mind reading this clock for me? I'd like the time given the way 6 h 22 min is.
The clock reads 9 h 02 min
